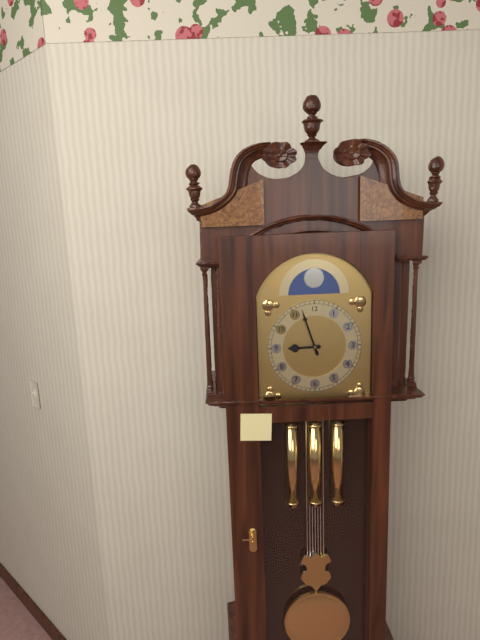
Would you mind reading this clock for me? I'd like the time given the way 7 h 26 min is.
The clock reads 8 h 57 min
